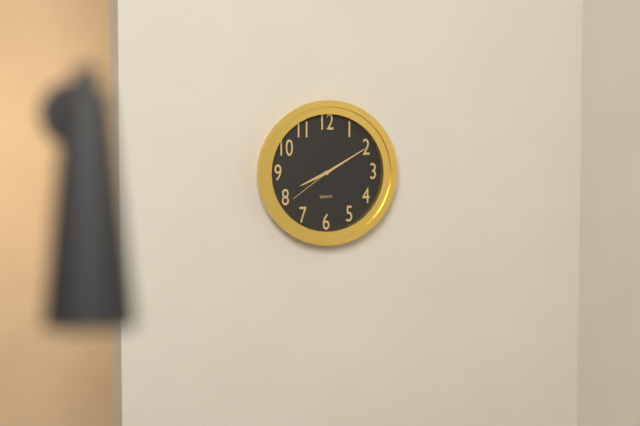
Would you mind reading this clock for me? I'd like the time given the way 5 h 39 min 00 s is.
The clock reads 8 h 10 min 39 s
